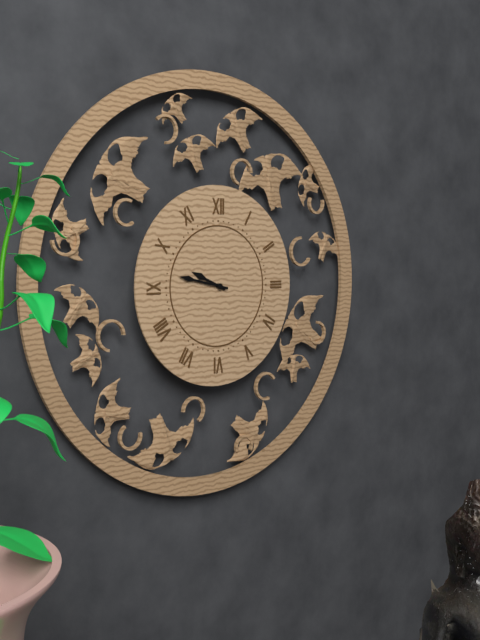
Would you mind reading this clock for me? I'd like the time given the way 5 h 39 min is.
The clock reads 9 h 47 min
